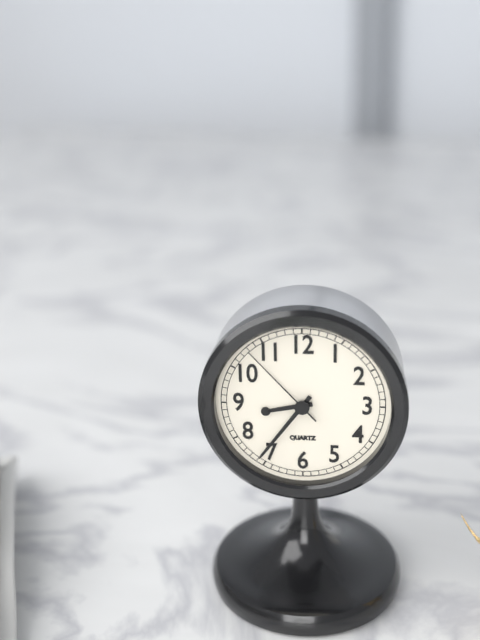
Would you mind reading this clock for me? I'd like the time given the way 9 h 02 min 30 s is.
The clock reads 8 h 36 min 53 s
